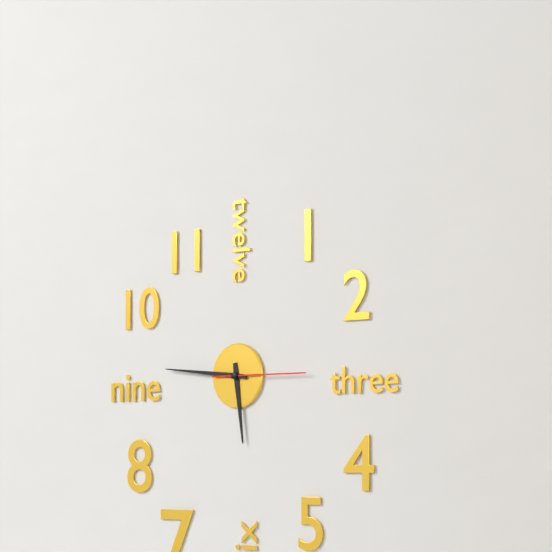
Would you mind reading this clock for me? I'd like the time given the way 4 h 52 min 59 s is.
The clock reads 5 h 46 min 15 s
